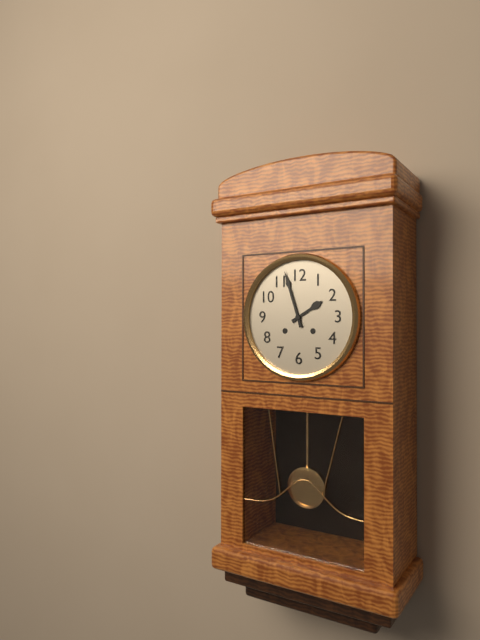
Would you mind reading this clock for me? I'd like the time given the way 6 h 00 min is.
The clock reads 1 h 57 min
